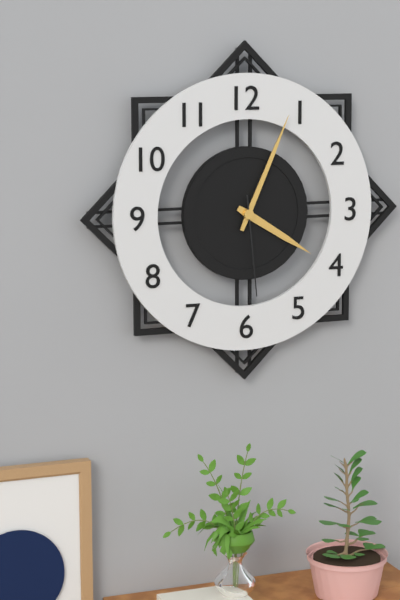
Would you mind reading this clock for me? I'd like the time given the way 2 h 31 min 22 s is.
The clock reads 4 h 04 min 29 s
